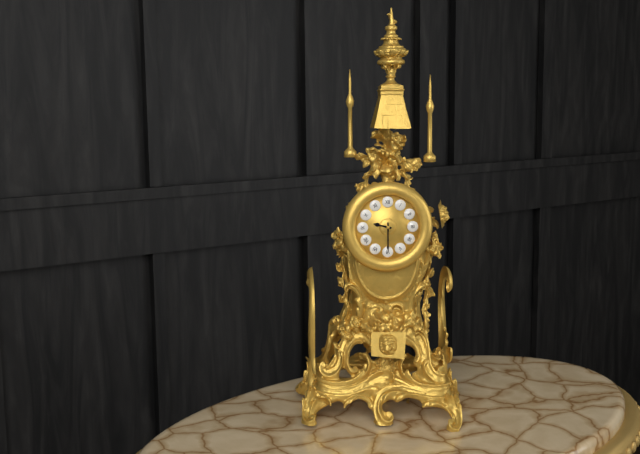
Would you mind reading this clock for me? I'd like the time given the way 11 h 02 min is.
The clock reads 9 h 30 min
